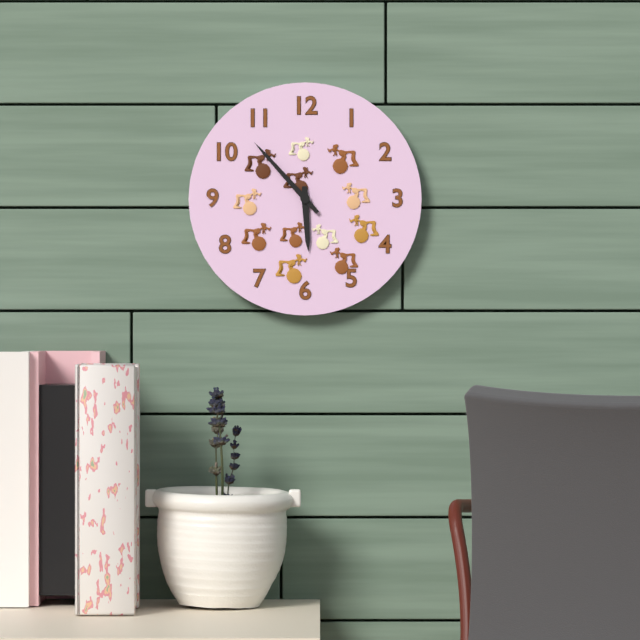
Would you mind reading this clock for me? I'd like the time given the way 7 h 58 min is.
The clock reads 5 h 53 min
